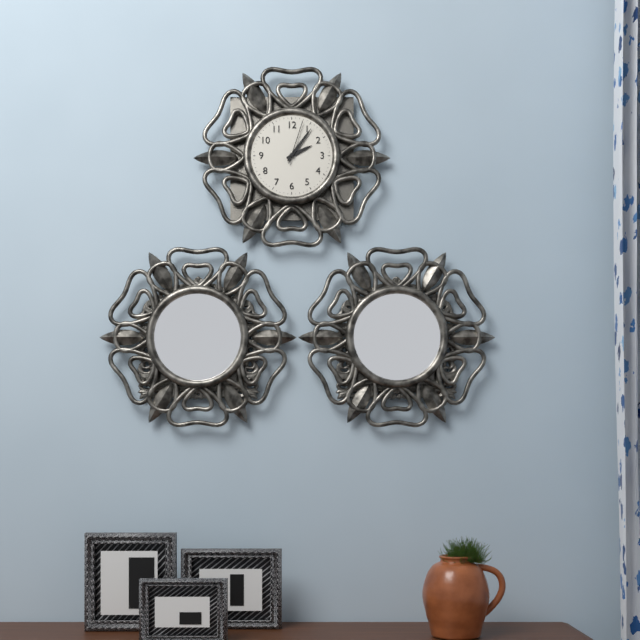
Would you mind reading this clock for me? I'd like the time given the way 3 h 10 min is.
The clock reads 2 h 06 min
